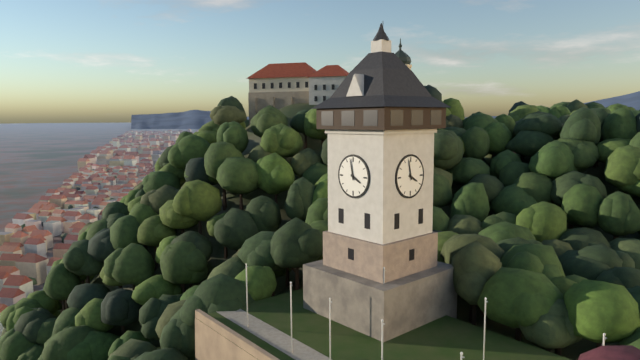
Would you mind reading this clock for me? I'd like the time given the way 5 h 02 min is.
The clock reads 3 h 58 min
